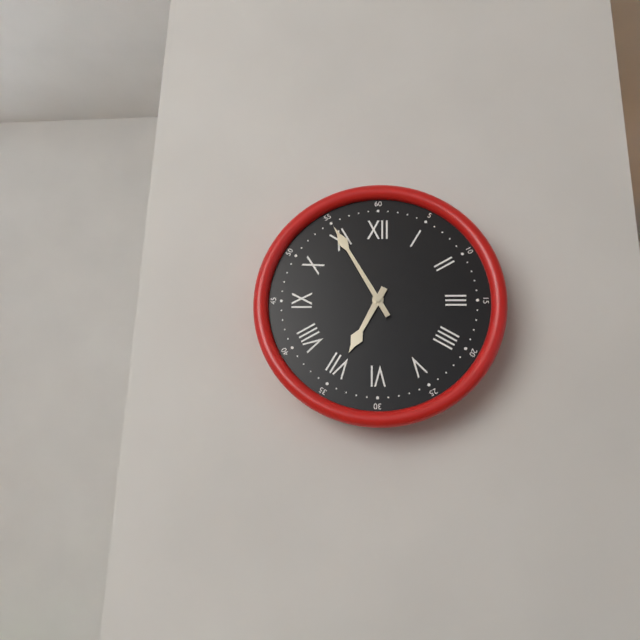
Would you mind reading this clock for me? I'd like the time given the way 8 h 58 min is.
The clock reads 6 h 55 min
